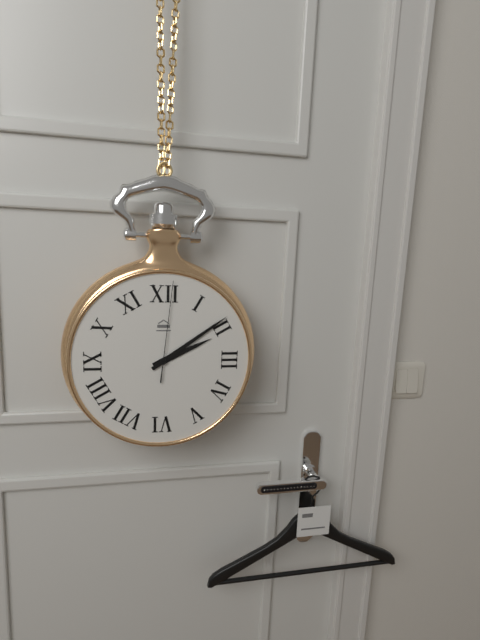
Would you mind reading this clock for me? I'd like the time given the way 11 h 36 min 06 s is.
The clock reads 2 h 09 min 01 s
